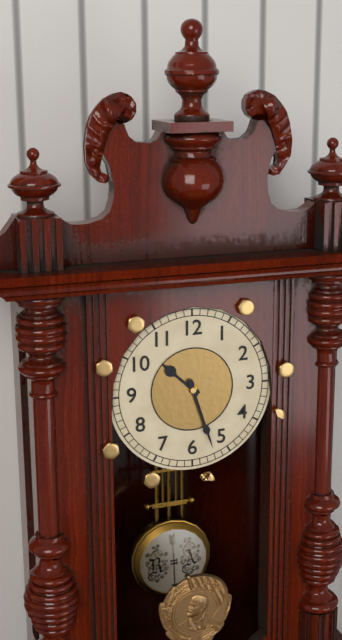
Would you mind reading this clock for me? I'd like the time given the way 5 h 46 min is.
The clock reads 10 h 27 min
